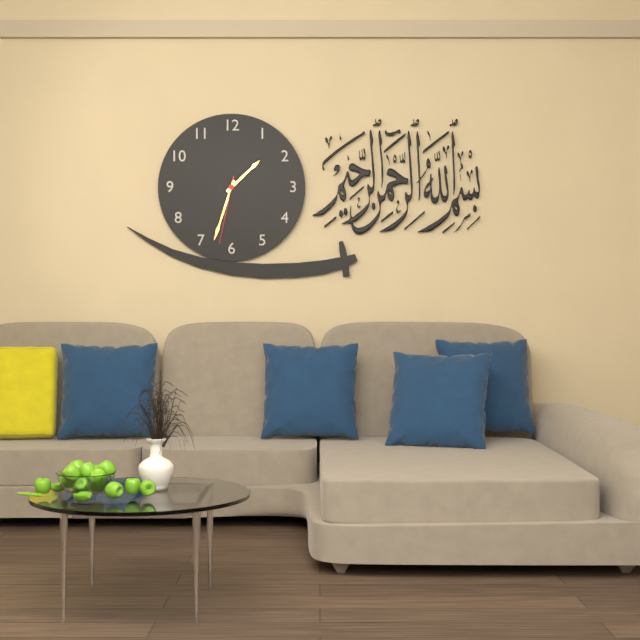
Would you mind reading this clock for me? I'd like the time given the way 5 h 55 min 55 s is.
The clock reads 1 h 33 min 32 s
